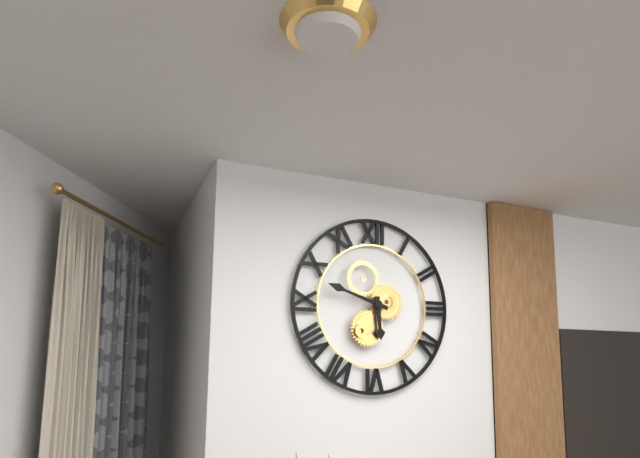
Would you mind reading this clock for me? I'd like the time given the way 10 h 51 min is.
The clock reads 5 h 48 min
